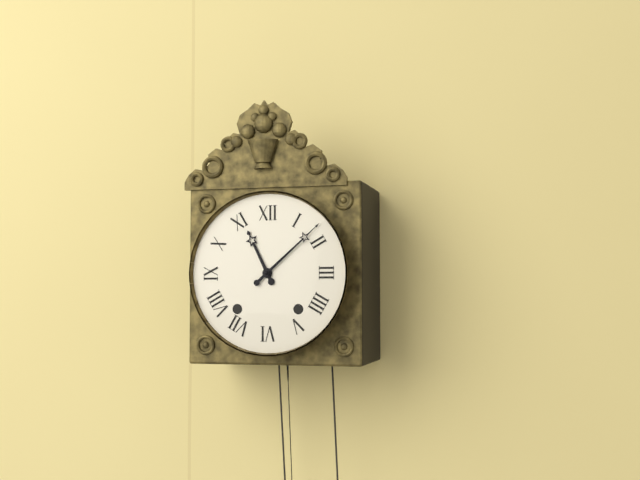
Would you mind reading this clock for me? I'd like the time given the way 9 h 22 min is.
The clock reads 11 h 08 min
